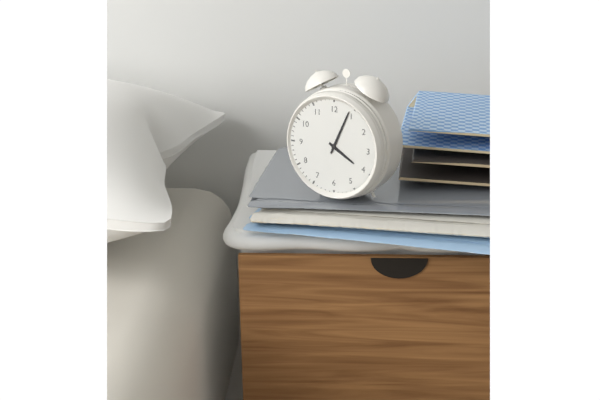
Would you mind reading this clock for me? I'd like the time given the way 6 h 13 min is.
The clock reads 4 h 04 min
